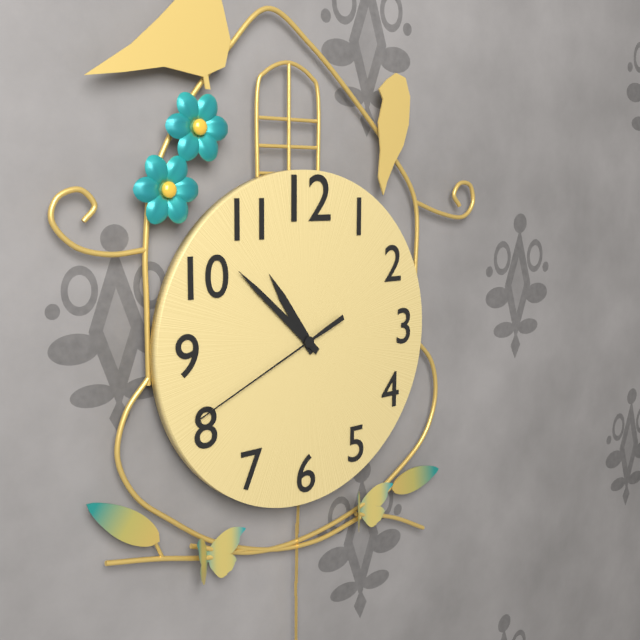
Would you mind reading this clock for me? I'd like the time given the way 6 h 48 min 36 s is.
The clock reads 10 h 52 min 41 s
